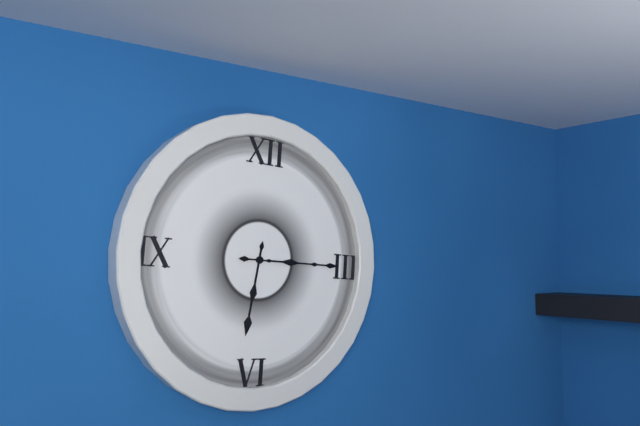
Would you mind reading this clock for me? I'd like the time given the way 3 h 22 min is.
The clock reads 6 h 15 min
